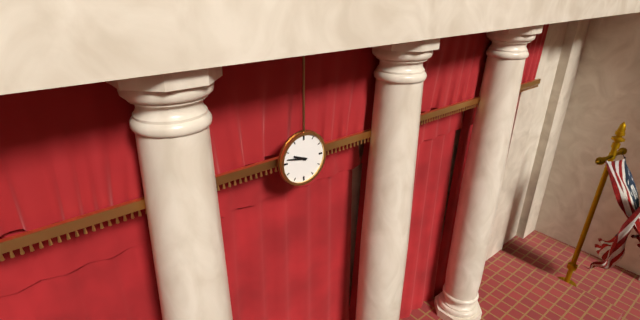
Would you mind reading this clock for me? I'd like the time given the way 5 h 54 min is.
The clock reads 9 h 47 min
